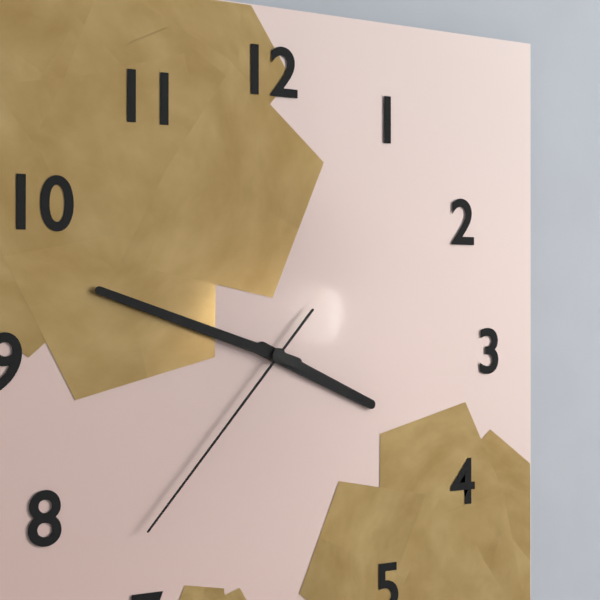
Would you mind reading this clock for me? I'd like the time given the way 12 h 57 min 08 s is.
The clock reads 3 h 48 min 37 s
